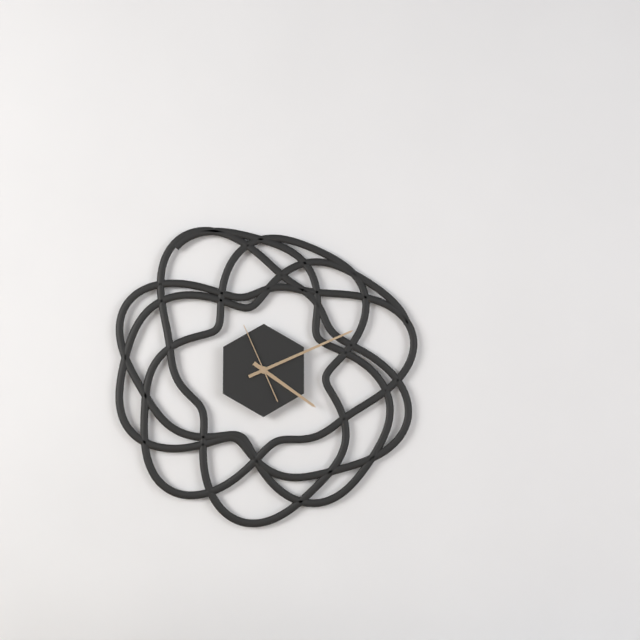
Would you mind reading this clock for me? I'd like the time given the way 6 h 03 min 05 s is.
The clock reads 4 h 11 min 56 s
